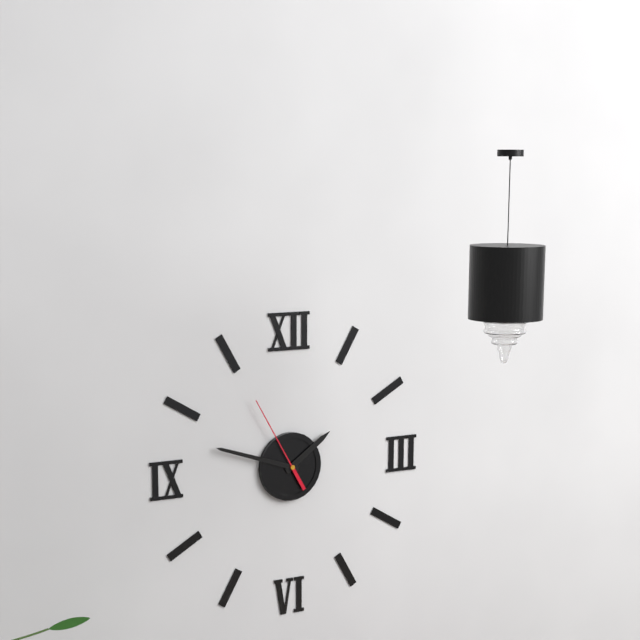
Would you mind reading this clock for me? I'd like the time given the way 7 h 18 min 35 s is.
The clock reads 1 h 48 min 55 s
